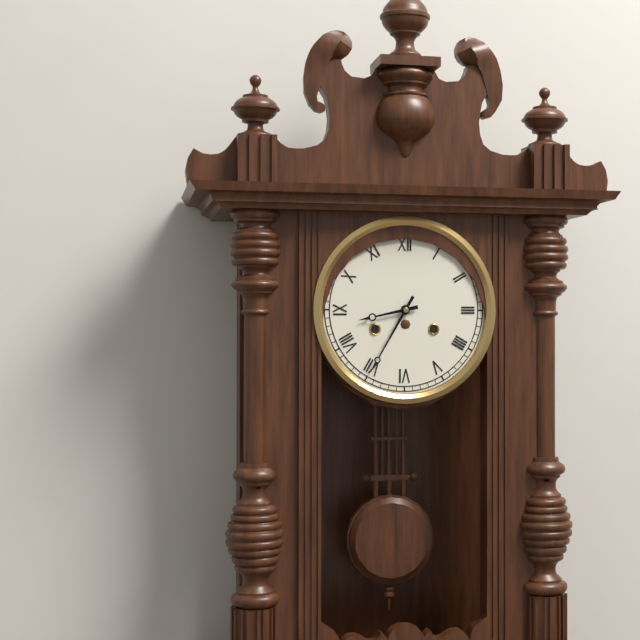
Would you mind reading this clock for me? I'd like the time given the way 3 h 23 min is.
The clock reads 8 h 35 min
